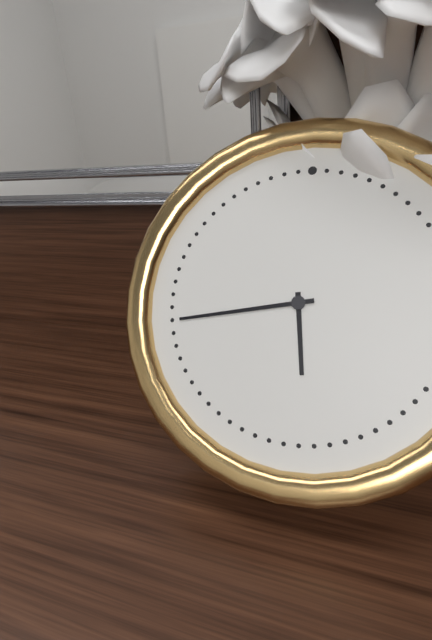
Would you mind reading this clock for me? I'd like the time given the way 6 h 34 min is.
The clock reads 5 h 43 min
